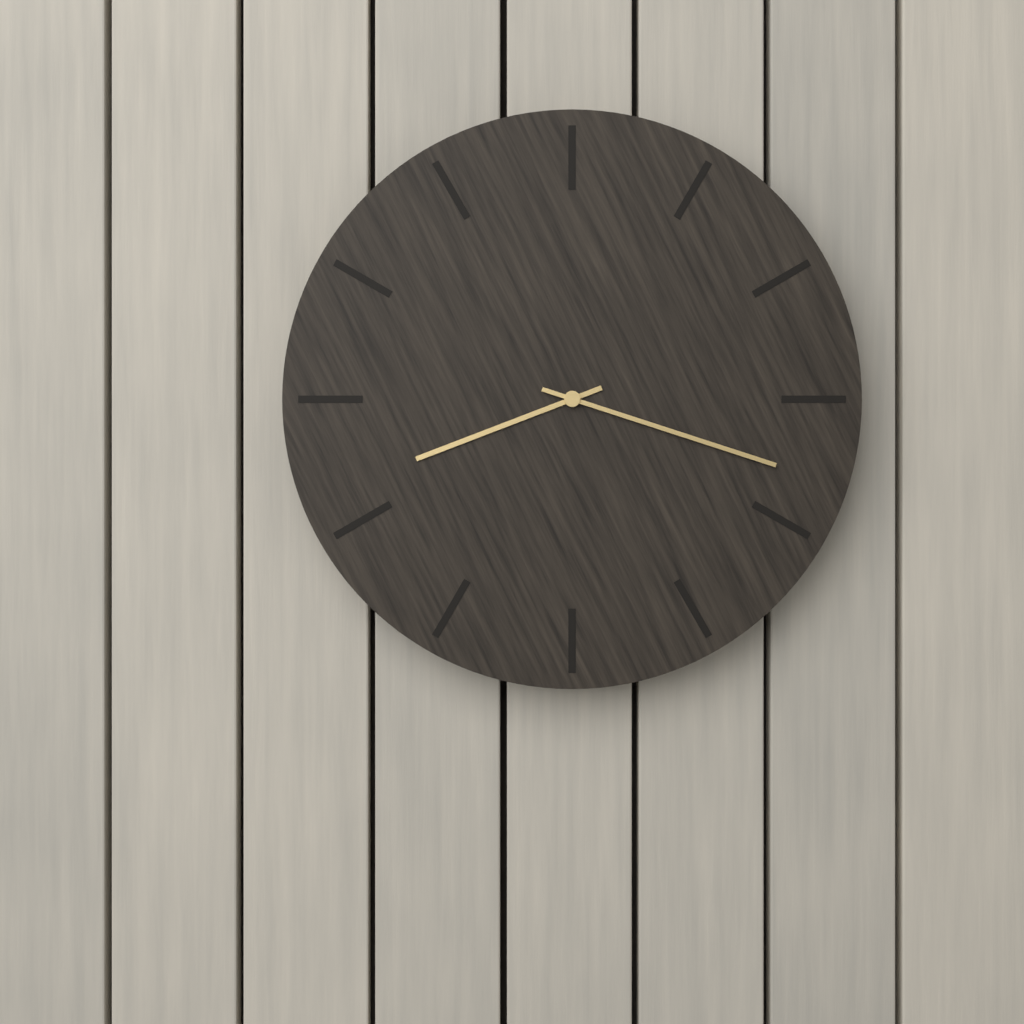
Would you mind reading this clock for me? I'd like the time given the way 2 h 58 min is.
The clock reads 8 h 18 min
